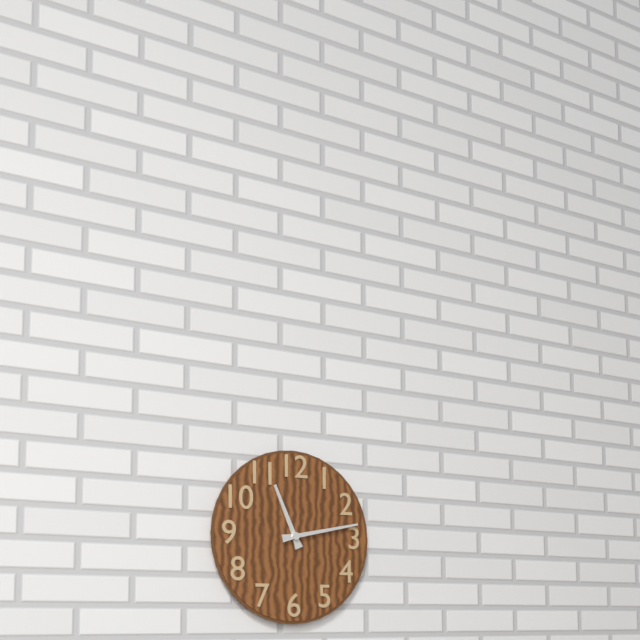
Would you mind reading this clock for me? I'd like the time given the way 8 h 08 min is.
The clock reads 11 h 13 min
